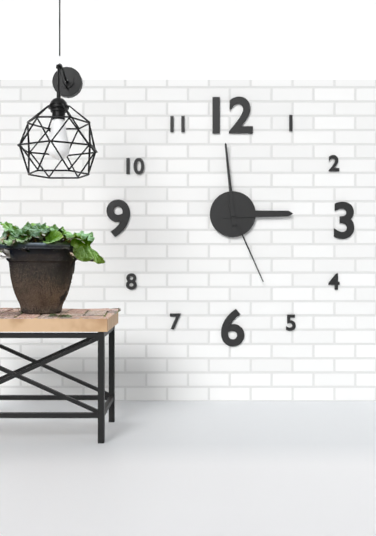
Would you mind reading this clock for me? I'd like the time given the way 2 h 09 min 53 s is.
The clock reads 2 h 59 min 26 s
